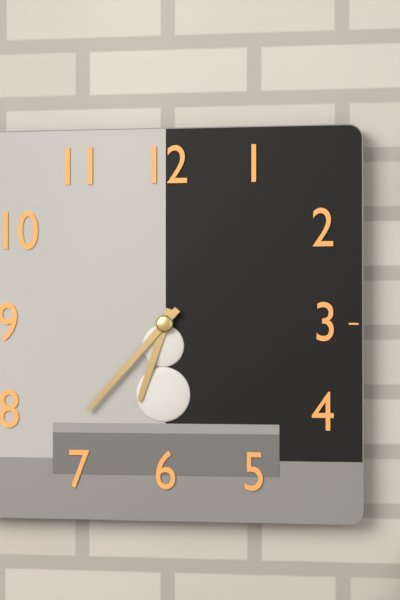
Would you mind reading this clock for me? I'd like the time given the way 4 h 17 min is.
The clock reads 6 h 37 min
